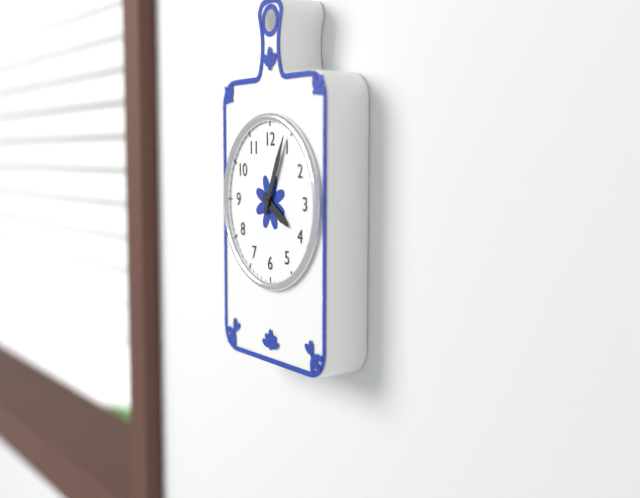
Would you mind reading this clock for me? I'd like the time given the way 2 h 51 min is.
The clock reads 4 h 04 min
